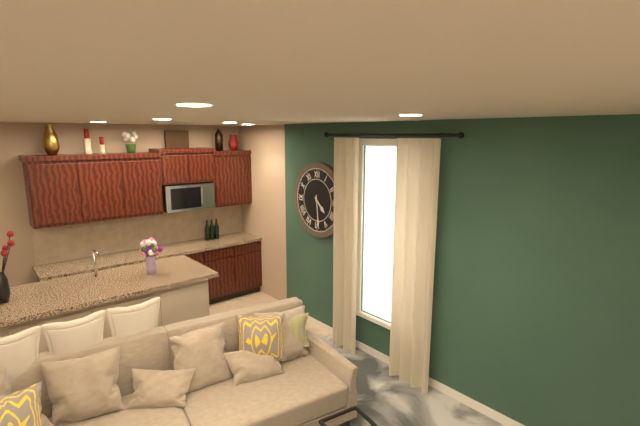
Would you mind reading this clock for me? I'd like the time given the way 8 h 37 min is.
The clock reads 4 h 29 min
